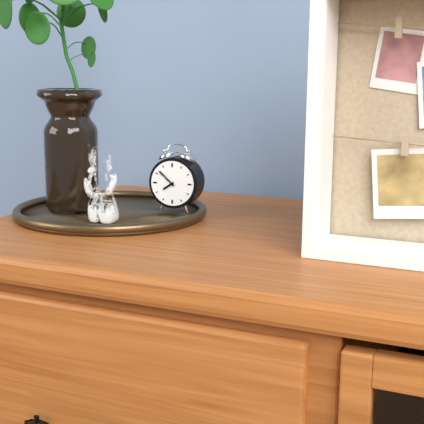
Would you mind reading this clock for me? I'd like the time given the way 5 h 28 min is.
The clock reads 7 h 52 min
